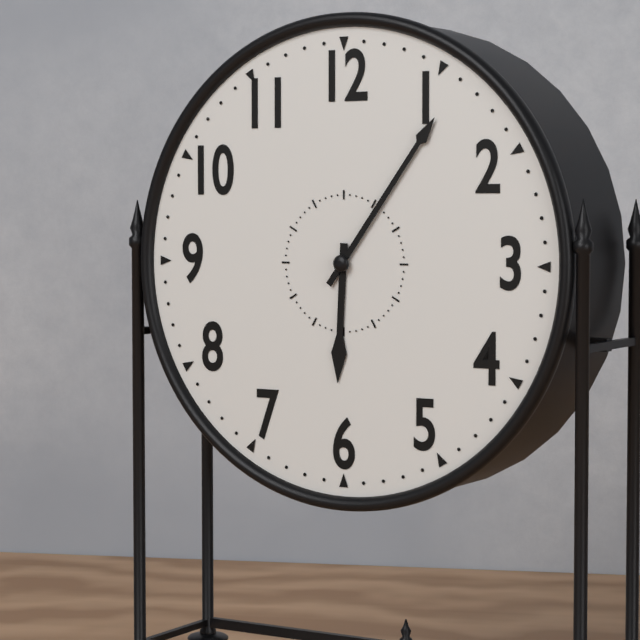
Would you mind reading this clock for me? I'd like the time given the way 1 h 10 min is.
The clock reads 6 h 06 min
